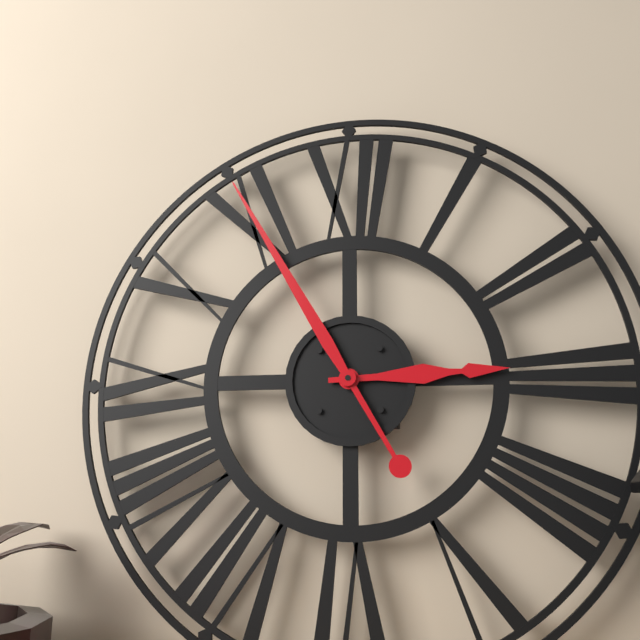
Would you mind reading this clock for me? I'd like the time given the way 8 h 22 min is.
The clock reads 2 h 55 min
